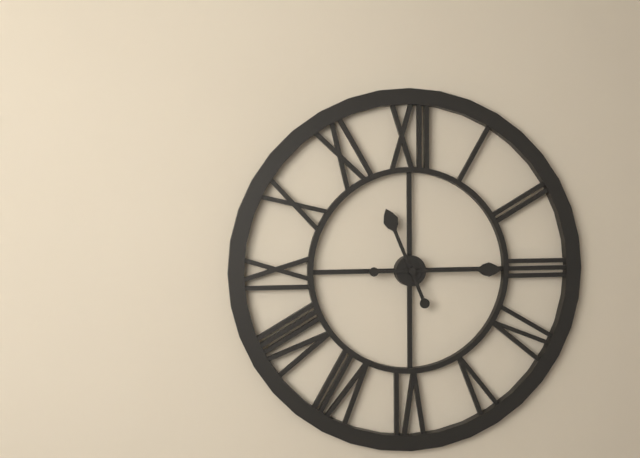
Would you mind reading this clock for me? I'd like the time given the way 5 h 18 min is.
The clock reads 11 h 15 min
